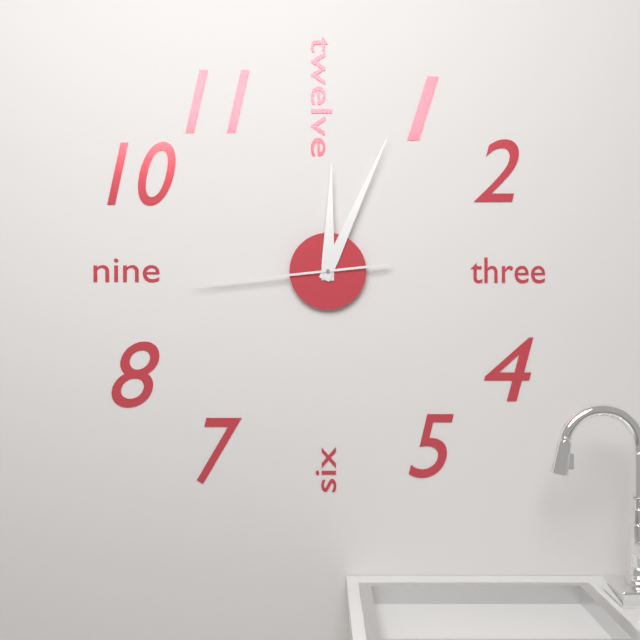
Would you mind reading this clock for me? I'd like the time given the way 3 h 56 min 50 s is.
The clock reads 12 h 04 min 44 s
